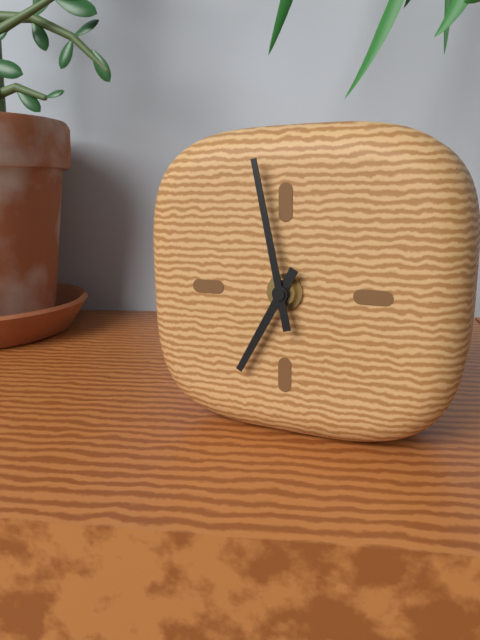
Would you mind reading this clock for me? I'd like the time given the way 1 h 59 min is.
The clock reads 6 h 58 min
